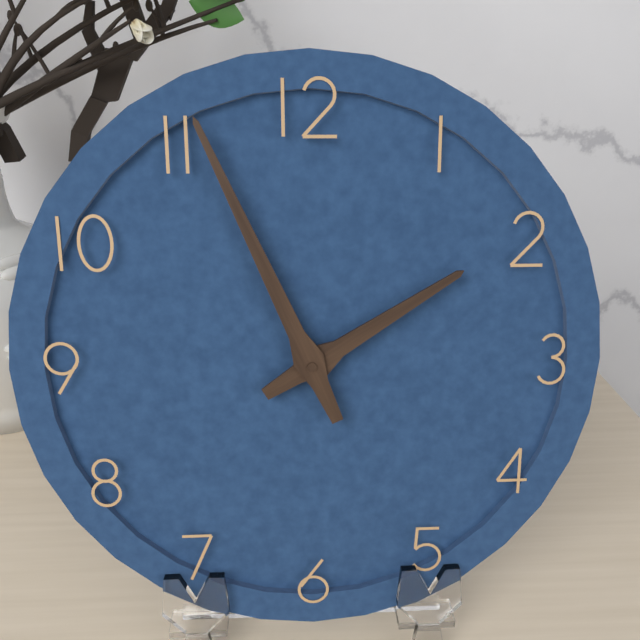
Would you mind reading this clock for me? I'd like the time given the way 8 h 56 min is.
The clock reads 1 h 56 min
